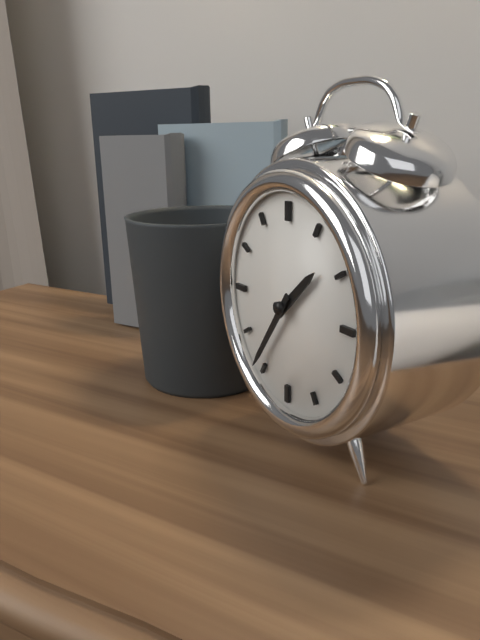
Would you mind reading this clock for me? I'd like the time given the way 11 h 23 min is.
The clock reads 1 h 36 min
